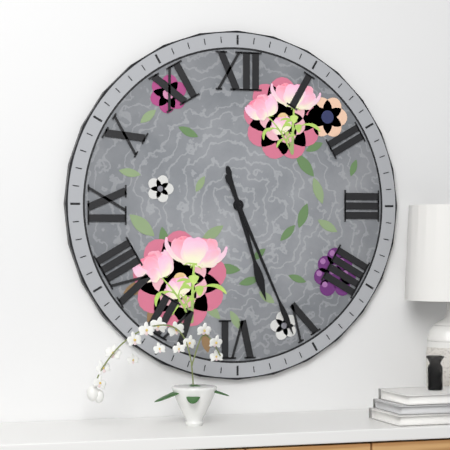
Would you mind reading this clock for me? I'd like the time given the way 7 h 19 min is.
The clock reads 5 h 26 min
